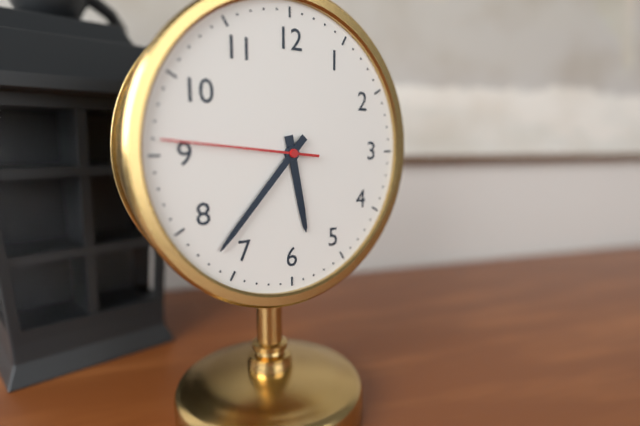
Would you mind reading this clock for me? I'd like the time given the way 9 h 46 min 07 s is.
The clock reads 5 h 37 min 46 s
